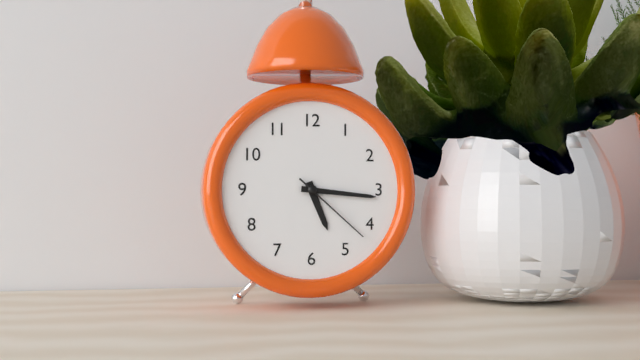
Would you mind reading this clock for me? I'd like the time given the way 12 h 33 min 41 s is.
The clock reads 5 h 16 min 22 s
